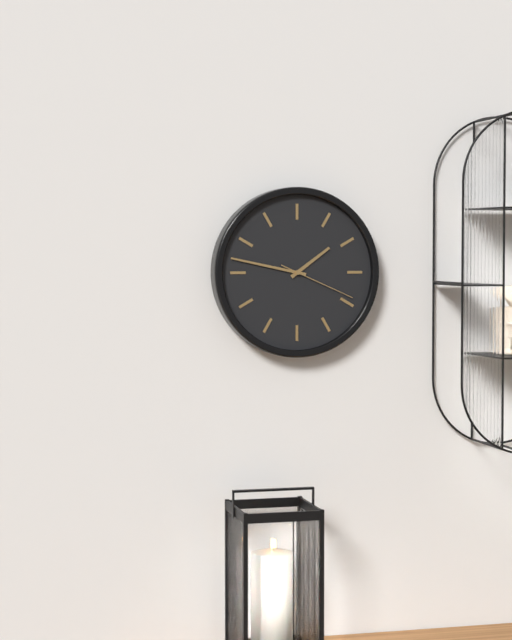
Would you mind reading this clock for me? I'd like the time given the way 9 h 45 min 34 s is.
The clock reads 1 h 47 min 19 s
